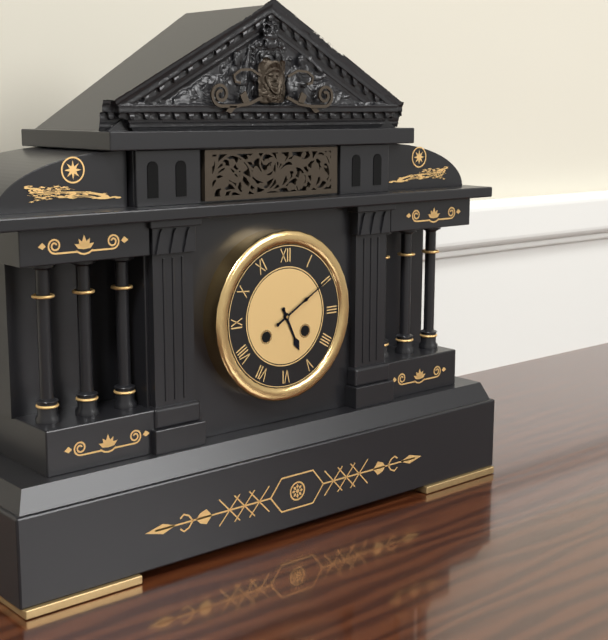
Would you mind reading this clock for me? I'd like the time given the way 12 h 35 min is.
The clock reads 5 h 10 min
